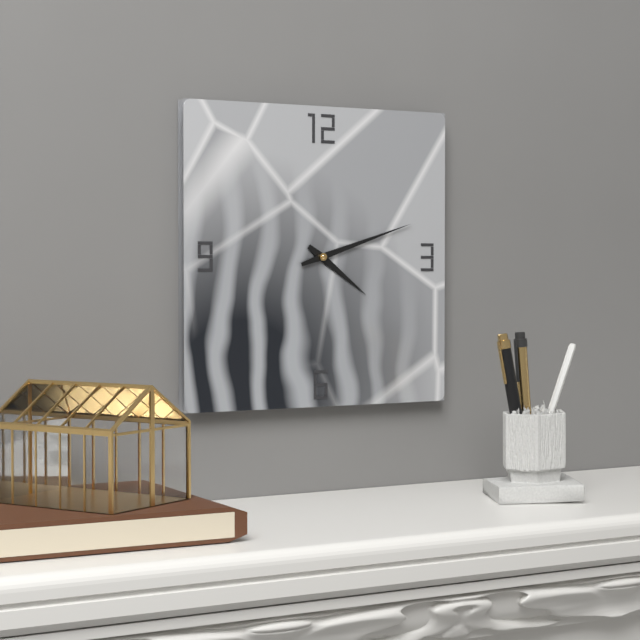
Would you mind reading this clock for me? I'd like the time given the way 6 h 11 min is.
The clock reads 4 h 12 min
